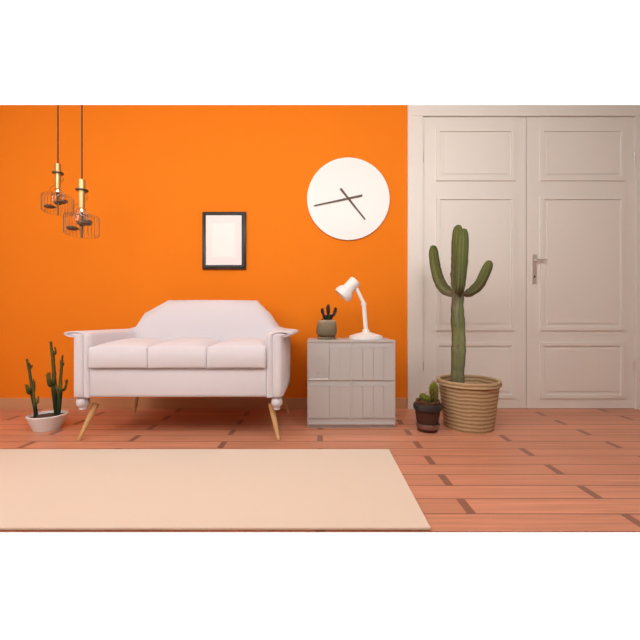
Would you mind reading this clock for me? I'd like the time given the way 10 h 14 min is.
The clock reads 4 h 43 min
